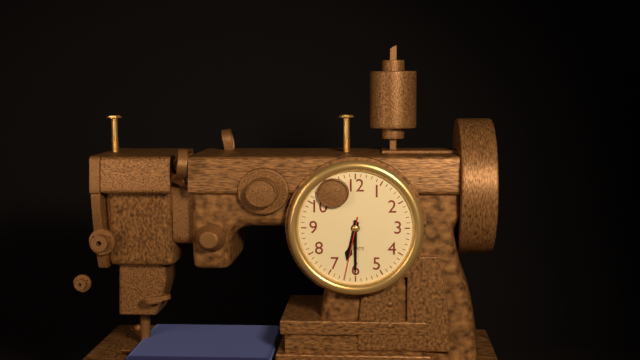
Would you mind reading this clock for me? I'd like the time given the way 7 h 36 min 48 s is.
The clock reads 6 h 30 min 32 s
